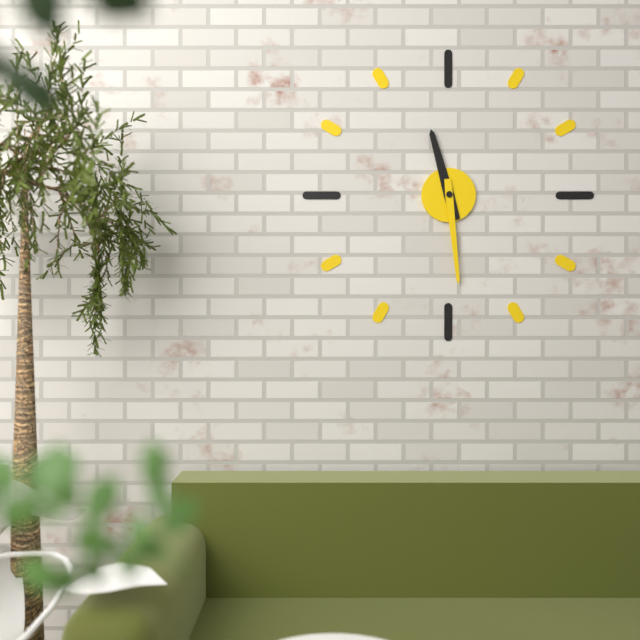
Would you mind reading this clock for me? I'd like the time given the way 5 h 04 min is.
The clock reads 11 h 29 min
